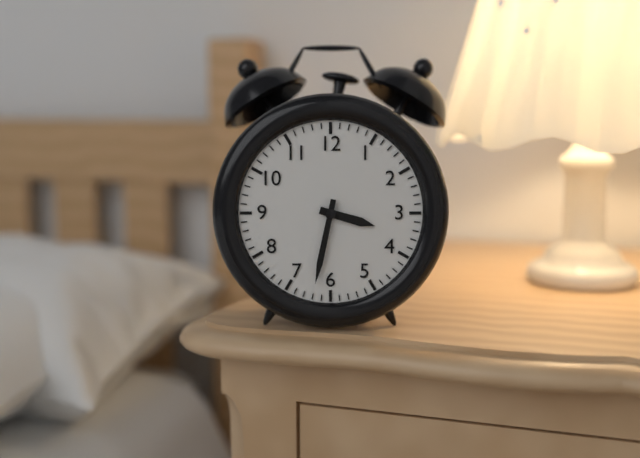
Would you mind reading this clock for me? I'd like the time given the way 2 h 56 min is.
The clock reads 3 h 32 min
